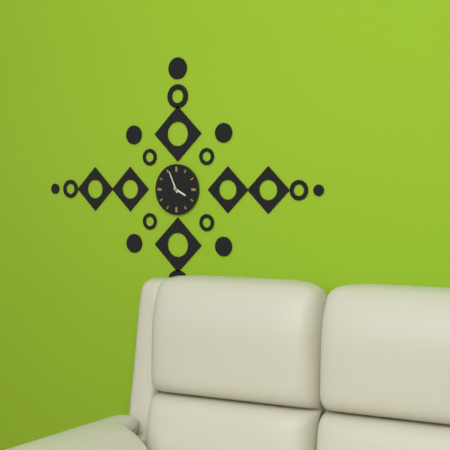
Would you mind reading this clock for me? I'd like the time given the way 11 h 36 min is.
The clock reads 3 h 56 min
